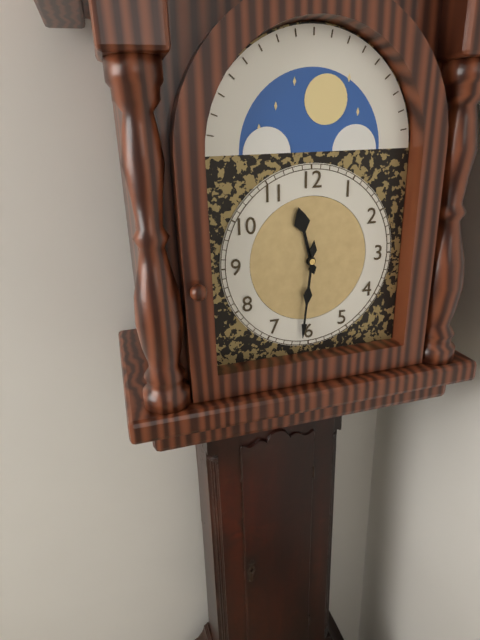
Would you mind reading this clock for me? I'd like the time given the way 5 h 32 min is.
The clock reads 11 h 31 min
